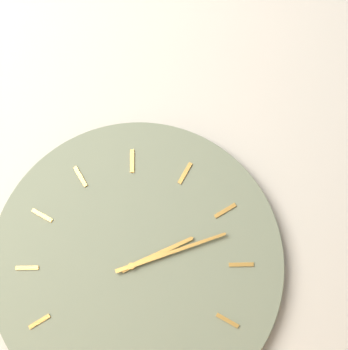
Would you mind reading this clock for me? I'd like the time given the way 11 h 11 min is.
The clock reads 2 h 12 min
